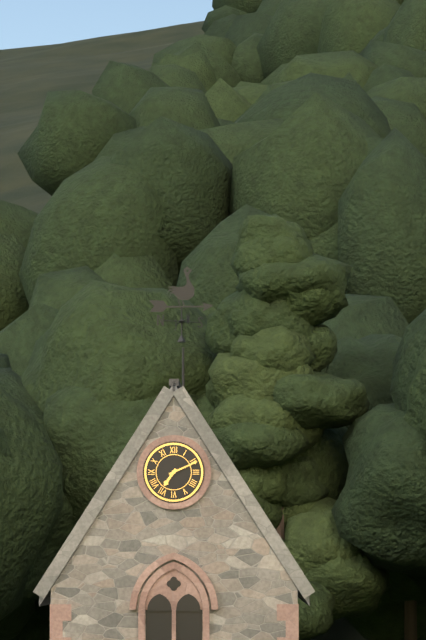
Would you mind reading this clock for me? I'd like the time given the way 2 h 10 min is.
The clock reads 7 h 11 min
